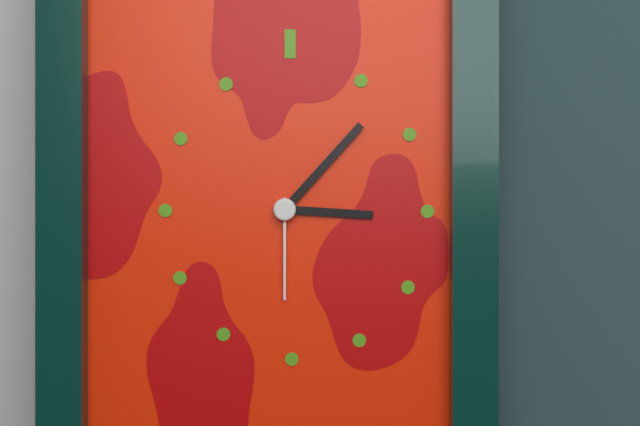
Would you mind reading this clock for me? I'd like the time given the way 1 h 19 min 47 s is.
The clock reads 3 h 07 min 30 s
